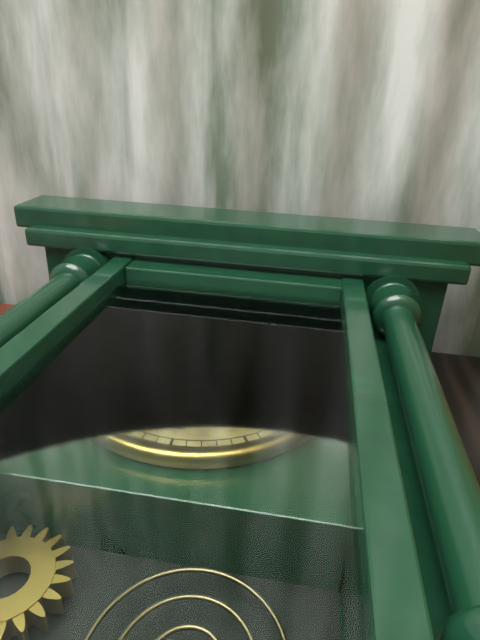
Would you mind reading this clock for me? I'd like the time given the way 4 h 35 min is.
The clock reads 6 h 01 min
